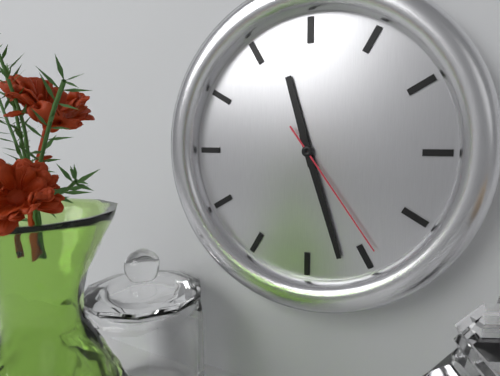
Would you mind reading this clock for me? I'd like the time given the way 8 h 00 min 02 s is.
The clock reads 11 h 27 min 24 s
